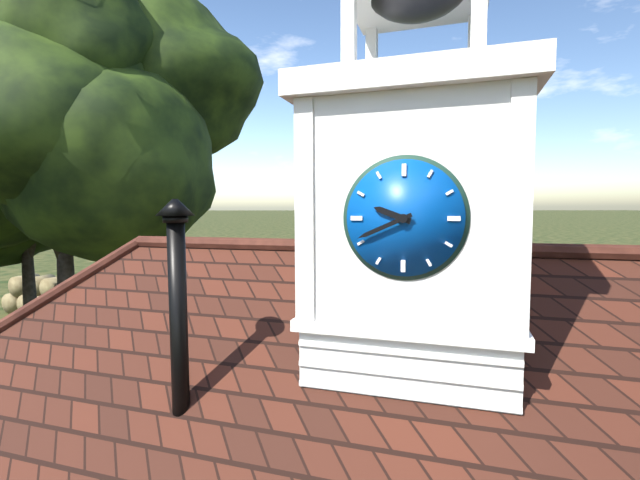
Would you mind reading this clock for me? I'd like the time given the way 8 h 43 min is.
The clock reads 9 h 41 min
